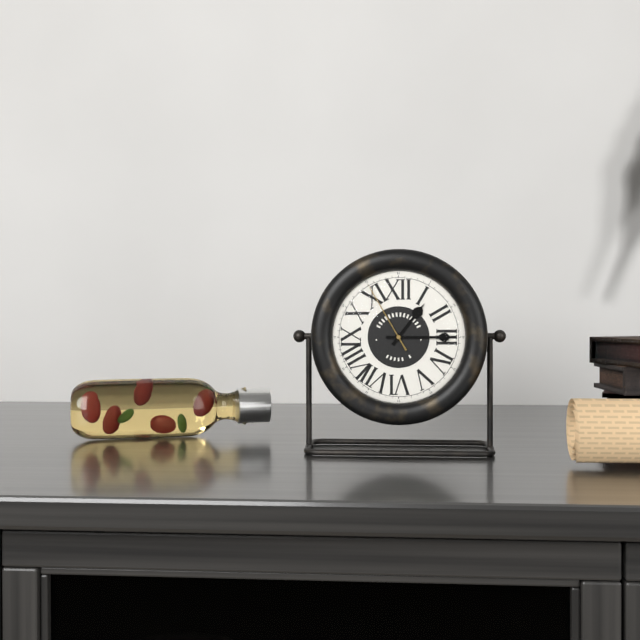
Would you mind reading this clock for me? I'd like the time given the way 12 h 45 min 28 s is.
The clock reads 1 h 15 min 55 s
